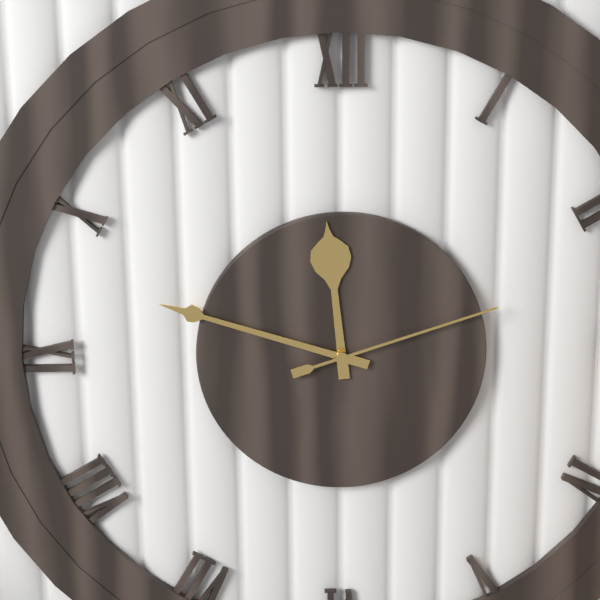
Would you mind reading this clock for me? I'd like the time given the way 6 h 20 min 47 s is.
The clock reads 11 h 48 min 12 s
